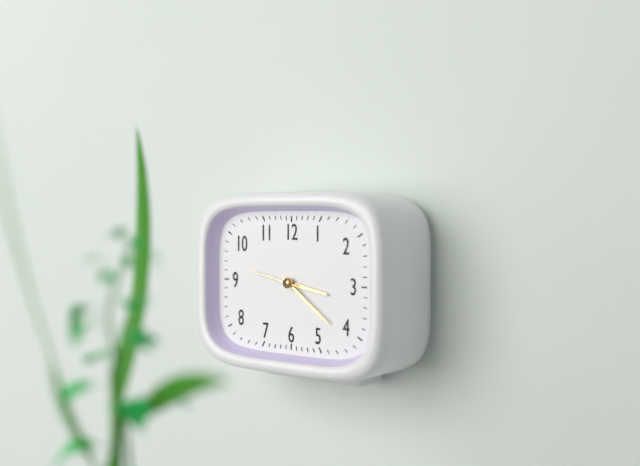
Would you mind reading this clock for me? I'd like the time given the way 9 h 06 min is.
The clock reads 3 h 21 min
